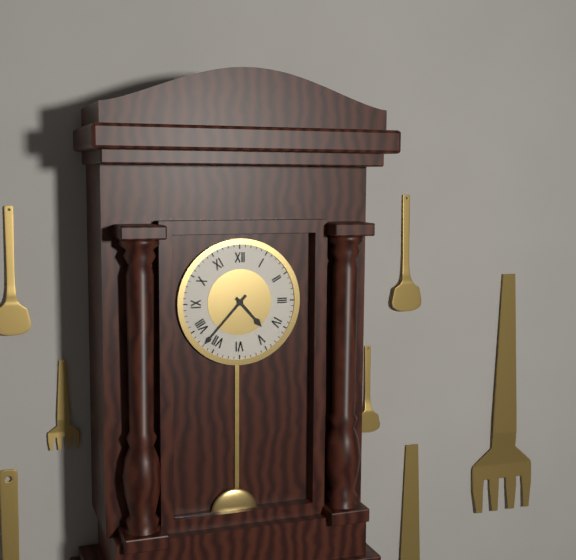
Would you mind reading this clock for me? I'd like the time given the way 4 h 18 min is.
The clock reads 4 h 37 min
